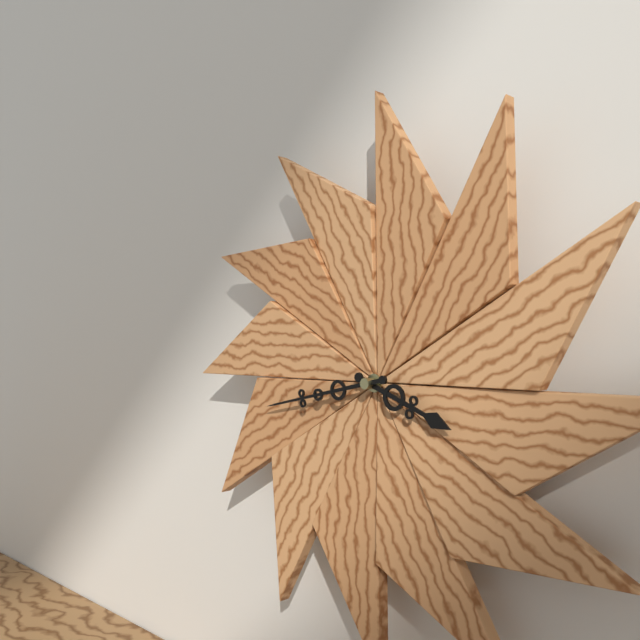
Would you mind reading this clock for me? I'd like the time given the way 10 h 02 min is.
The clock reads 3 h 43 min
